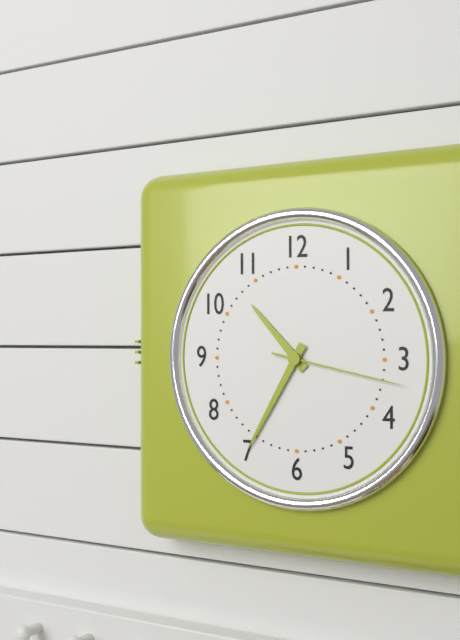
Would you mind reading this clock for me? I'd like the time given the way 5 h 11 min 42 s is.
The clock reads 10 h 35 min 17 s
